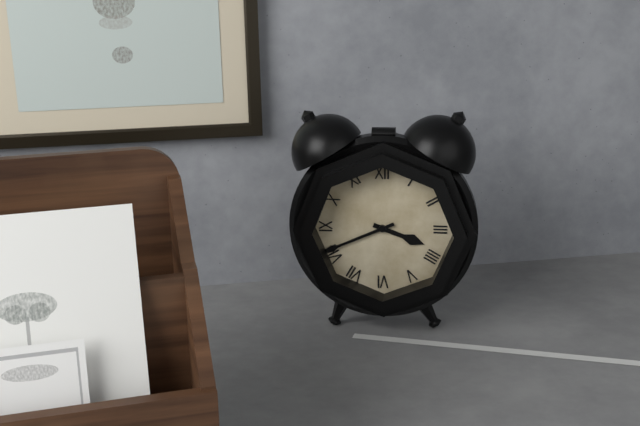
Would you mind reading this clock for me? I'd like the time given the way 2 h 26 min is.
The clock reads 3 h 41 min
